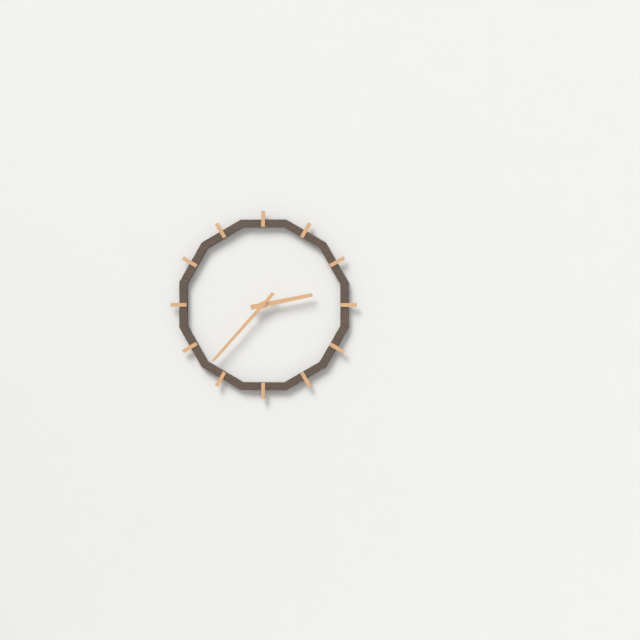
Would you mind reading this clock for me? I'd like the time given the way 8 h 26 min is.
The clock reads 2 h 37 min
